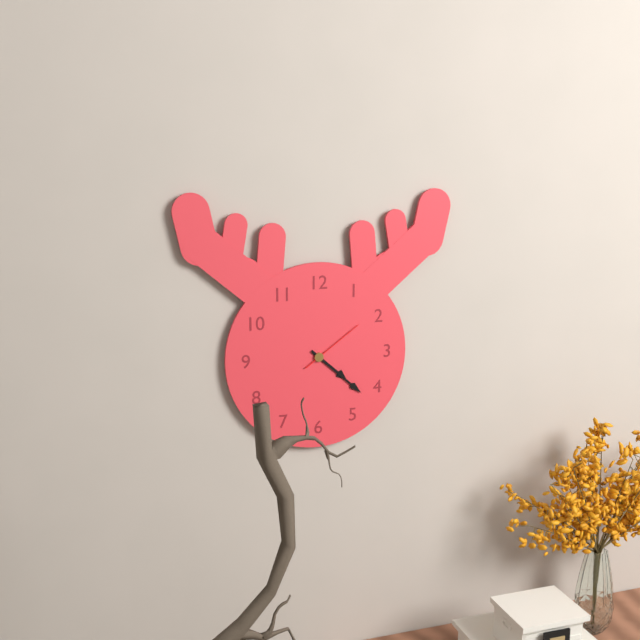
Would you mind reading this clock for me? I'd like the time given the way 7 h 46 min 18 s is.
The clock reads 4 h 22 min 09 s
